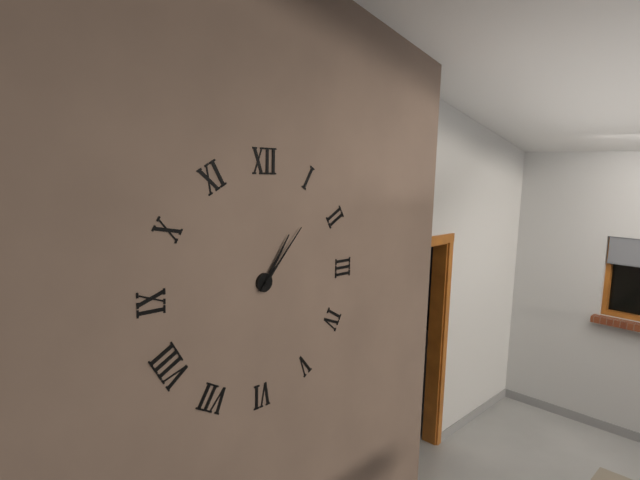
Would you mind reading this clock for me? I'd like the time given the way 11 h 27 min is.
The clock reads 1 h 07 min
